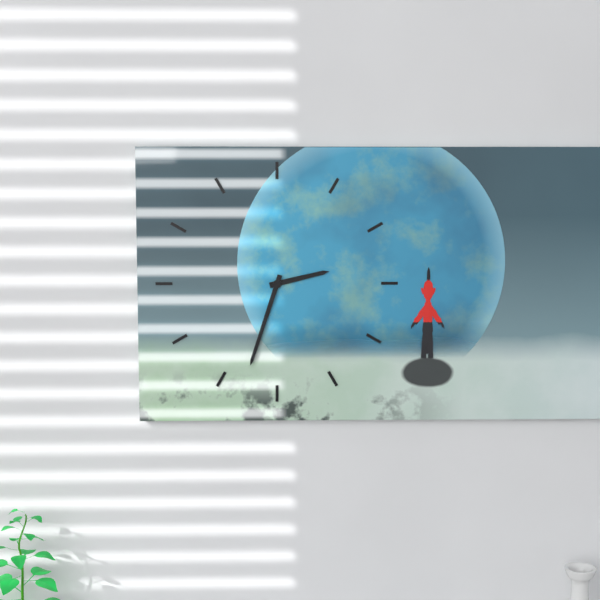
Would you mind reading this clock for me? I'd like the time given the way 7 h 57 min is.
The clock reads 2 h 33 min
